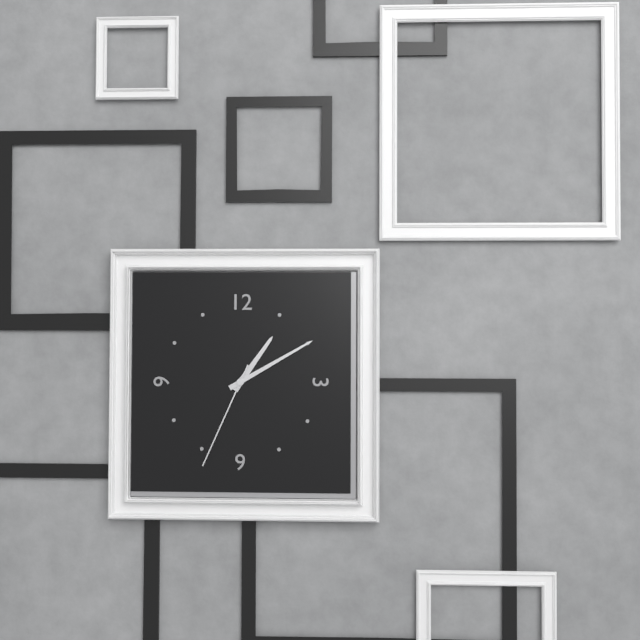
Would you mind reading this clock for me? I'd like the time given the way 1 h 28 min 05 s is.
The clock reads 1 h 10 min 34 s
